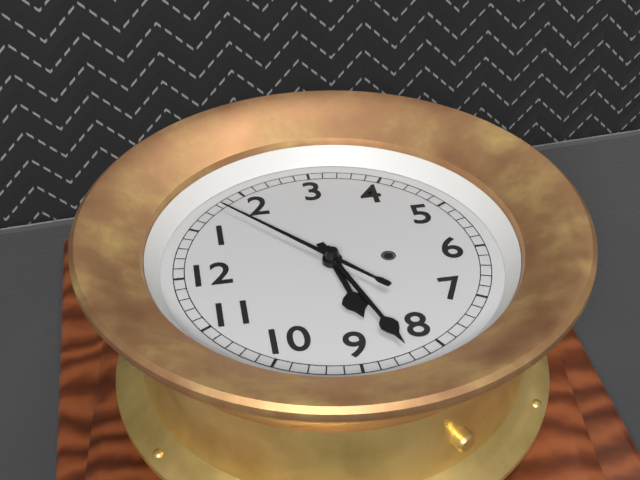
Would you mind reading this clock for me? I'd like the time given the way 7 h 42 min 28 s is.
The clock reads 8 h 42 min 08 s
